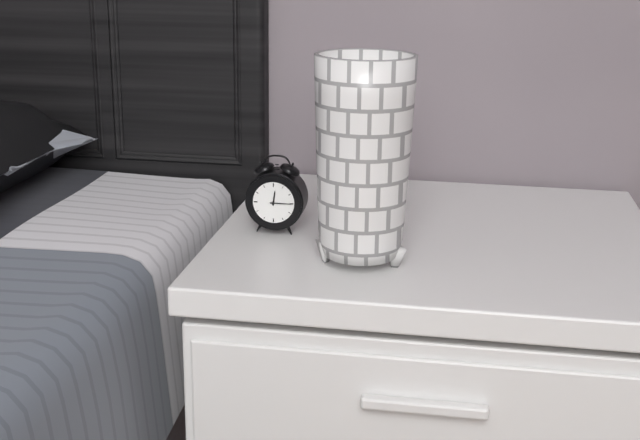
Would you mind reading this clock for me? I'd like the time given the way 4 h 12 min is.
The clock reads 12 h 15 min
